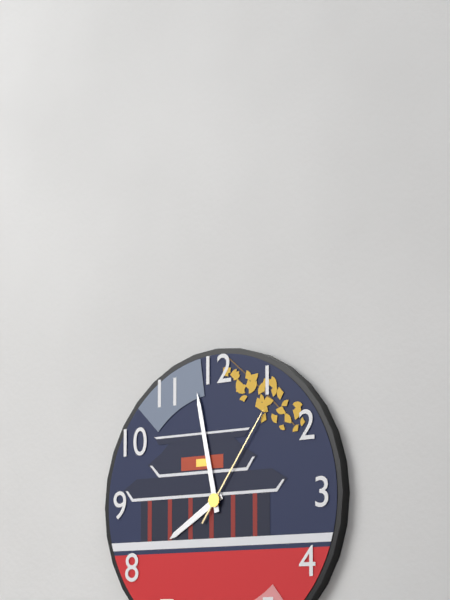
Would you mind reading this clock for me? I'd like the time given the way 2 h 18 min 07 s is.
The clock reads 7 h 58 min 06 s
